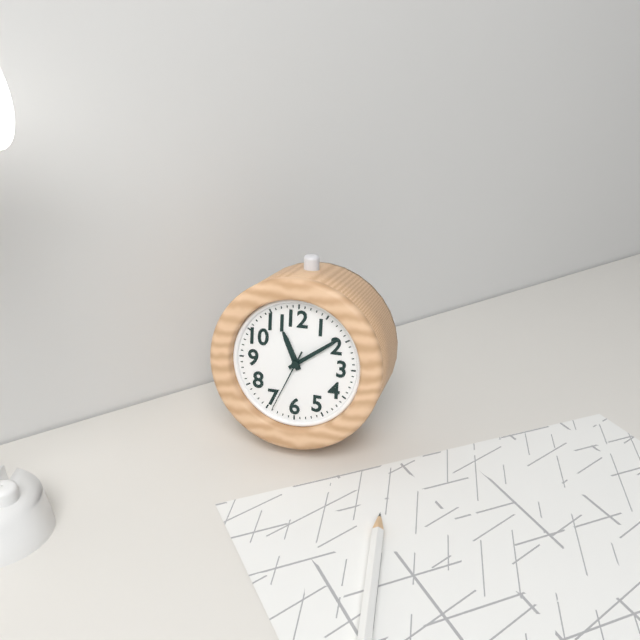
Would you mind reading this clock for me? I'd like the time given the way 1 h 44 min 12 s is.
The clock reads 11 h 09 min 34 s
